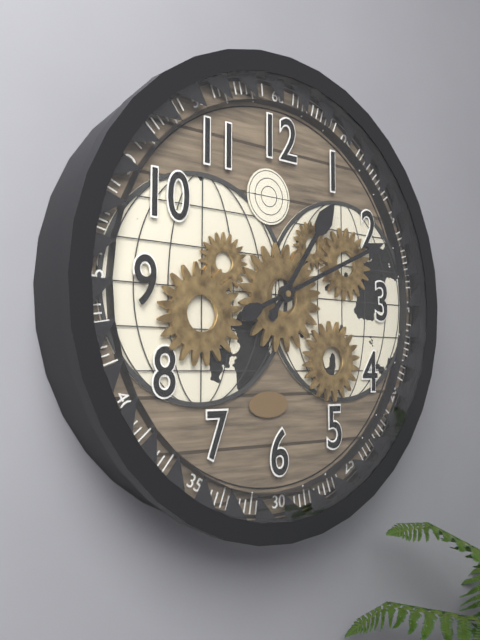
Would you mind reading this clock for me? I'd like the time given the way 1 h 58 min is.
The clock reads 1 h 11 min
